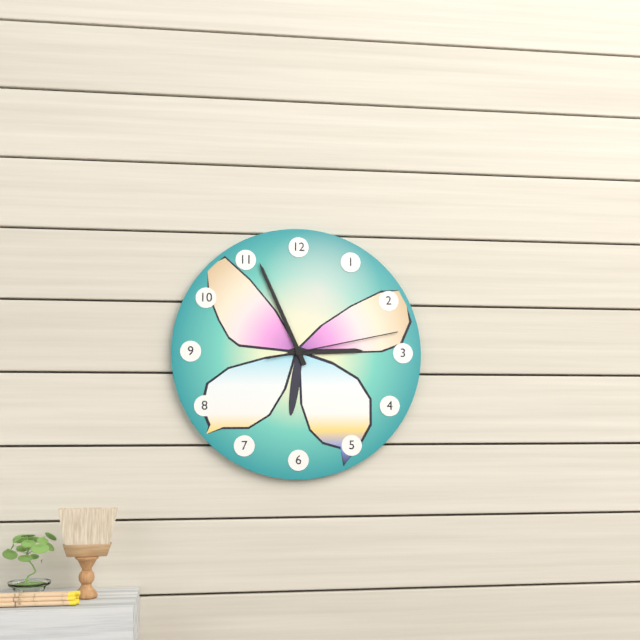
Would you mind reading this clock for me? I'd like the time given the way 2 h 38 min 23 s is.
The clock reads 2 h 56 min 13 s
